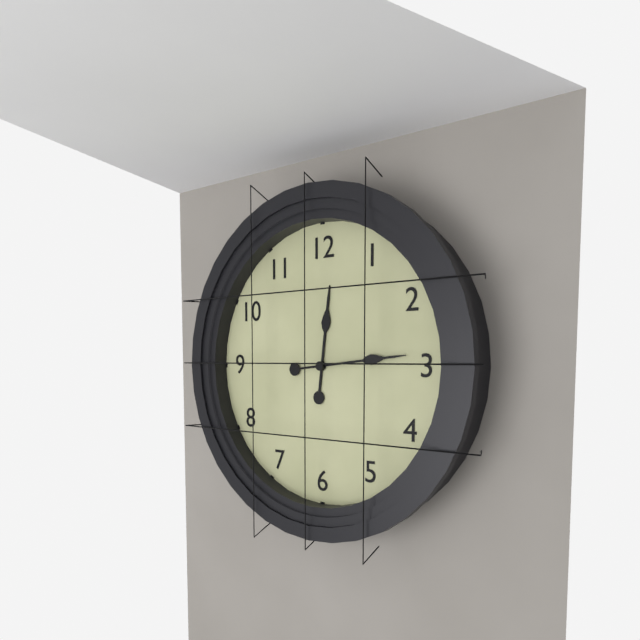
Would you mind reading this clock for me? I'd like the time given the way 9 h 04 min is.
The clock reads 12 h 14 min
